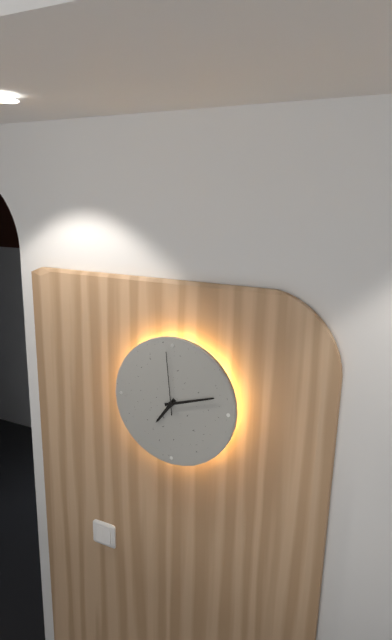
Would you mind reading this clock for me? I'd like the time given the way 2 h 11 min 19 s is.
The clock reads 7 h 12 min 59 s
